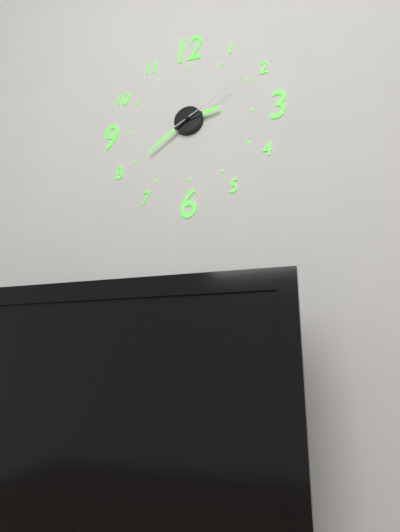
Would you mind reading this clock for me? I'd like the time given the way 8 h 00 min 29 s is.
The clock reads 2 h 39 min 10 s
